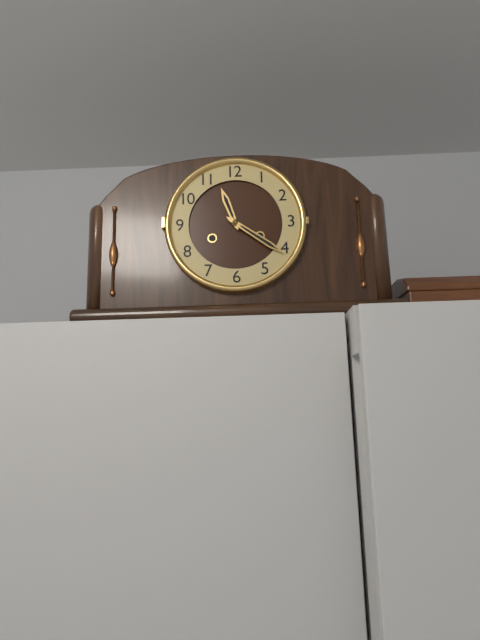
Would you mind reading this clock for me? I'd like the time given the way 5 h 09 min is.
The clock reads 11 h 21 min
